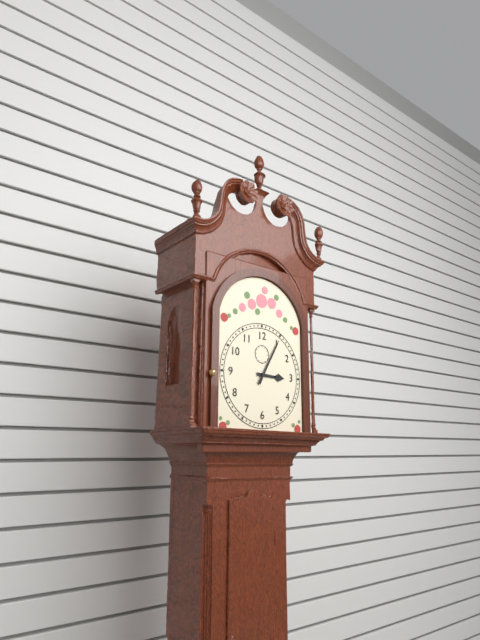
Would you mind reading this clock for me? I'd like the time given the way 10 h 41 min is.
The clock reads 3 h 05 min
